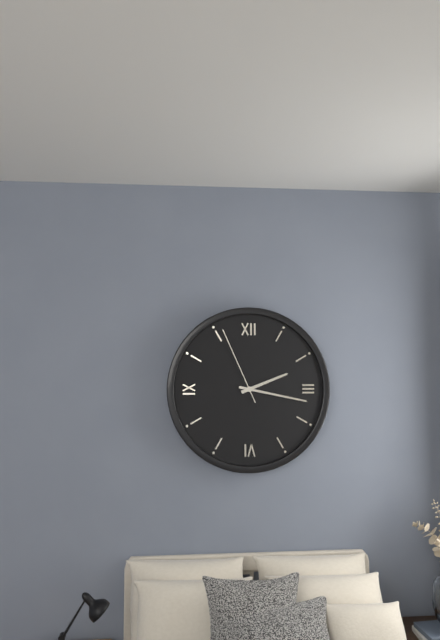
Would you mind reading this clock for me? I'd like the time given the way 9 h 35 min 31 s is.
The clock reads 2 h 17 min 56 s
